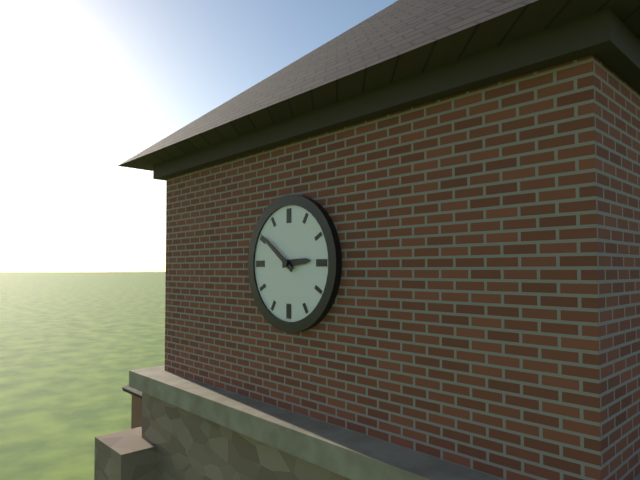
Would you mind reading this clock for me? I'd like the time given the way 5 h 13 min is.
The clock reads 2 h 51 min
